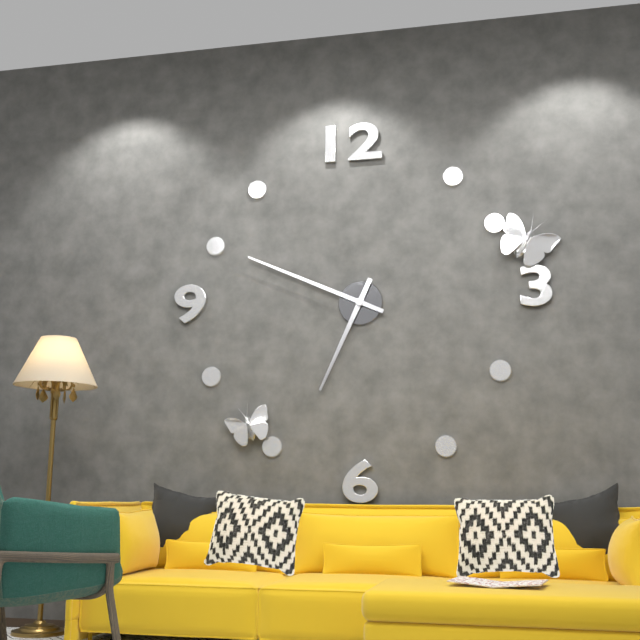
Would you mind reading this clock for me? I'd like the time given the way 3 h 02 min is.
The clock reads 6 h 49 min
